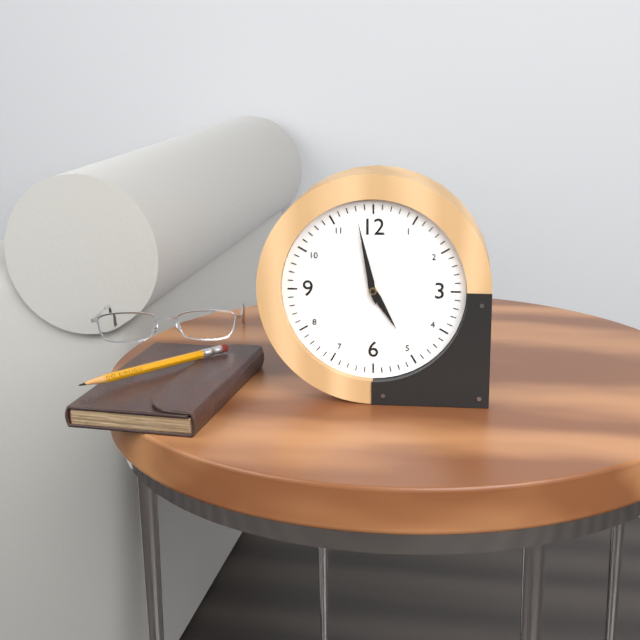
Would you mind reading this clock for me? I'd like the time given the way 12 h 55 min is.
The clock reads 4 h 58 min
